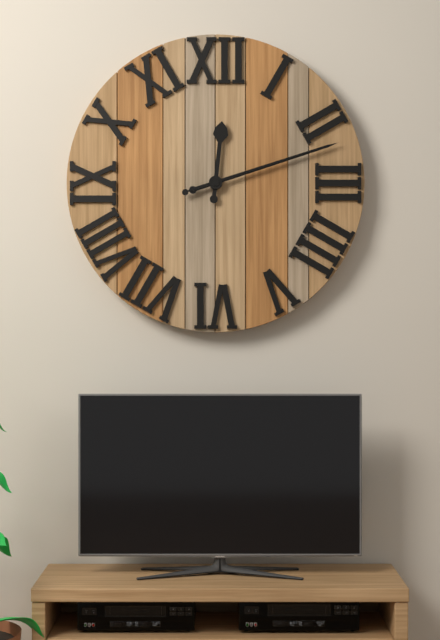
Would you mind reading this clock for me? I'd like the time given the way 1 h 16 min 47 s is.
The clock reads 12 h 12 min 12 s
